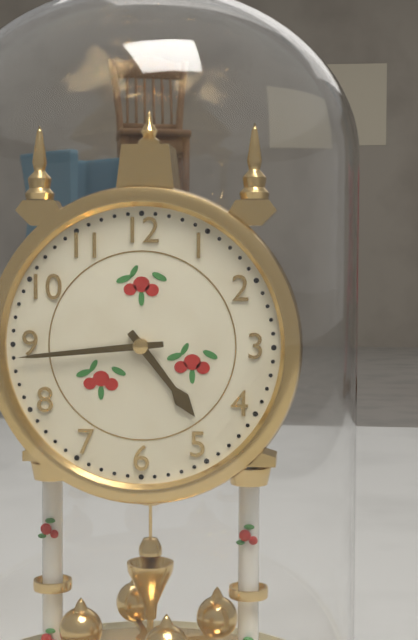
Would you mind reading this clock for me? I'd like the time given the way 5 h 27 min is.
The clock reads 4 h 44 min
